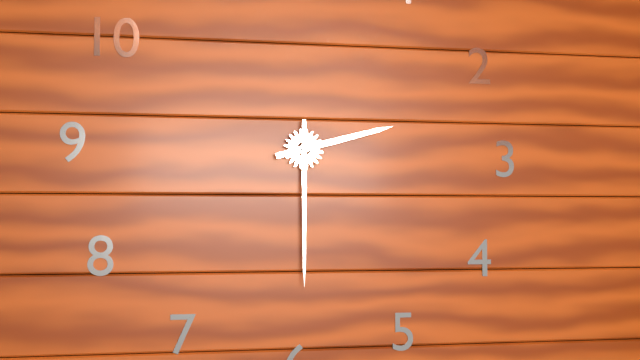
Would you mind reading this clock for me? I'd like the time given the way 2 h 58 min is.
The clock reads 2 h 30 min
